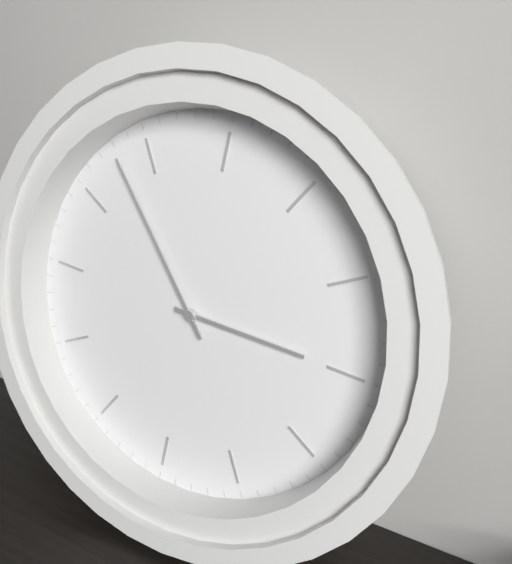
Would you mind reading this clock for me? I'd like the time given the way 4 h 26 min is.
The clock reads 3 h 58 min
